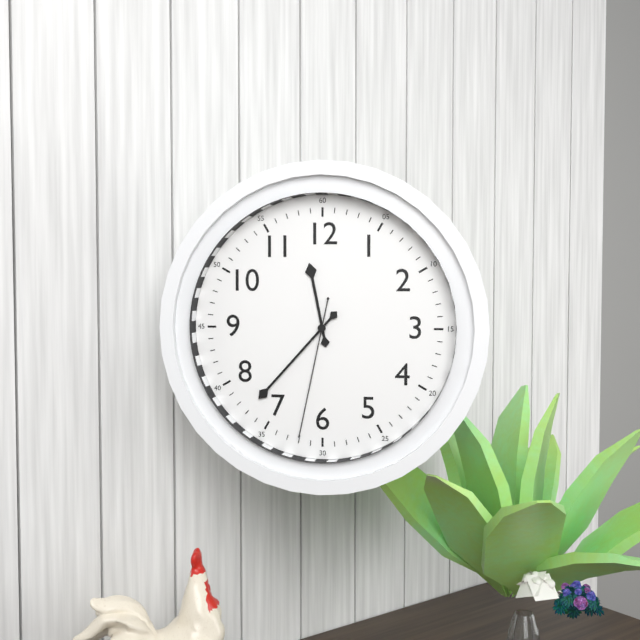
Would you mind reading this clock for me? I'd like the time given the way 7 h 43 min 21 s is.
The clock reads 11 h 37 min 32 s
